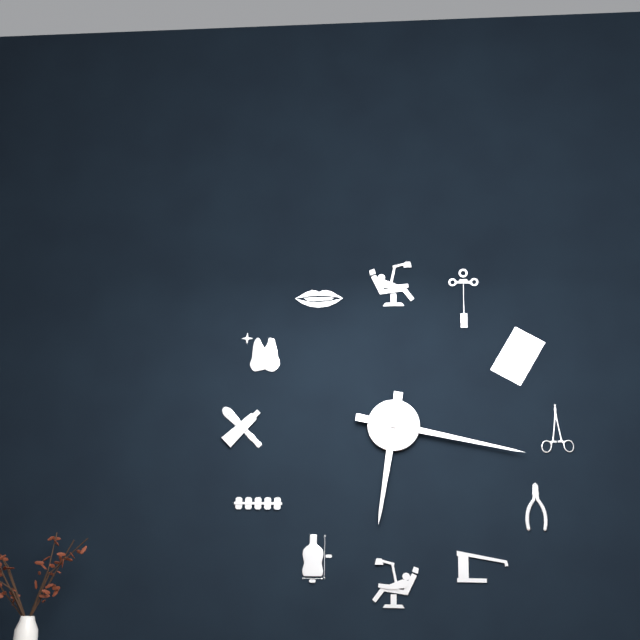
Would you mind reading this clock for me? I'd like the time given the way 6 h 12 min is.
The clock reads 6 h 17 min
